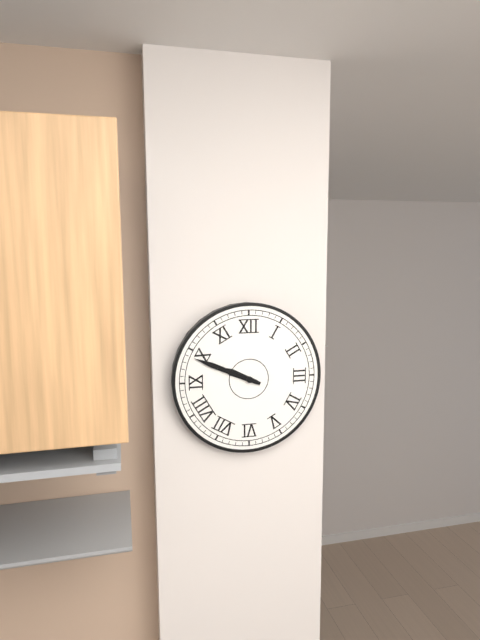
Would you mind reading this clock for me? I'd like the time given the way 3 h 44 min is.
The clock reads 9 h 49 min
